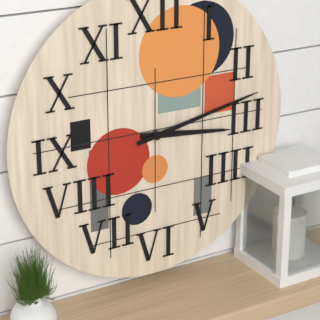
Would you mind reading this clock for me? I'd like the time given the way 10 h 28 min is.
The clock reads 3 h 13 min
